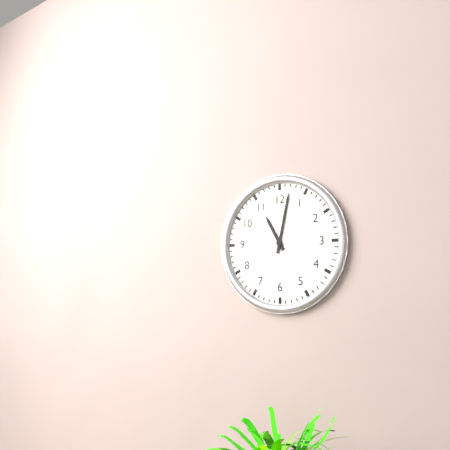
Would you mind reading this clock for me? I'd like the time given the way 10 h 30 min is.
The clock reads 11 h 02 min
